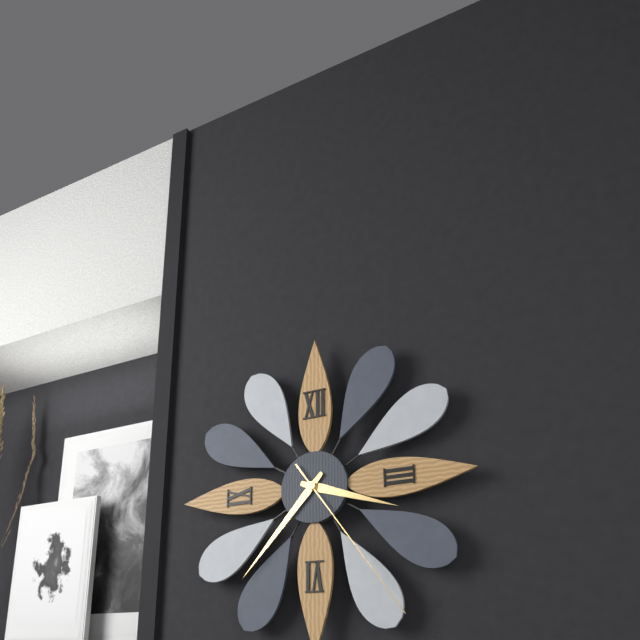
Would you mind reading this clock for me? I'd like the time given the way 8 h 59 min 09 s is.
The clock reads 3 h 37 min 24 s
